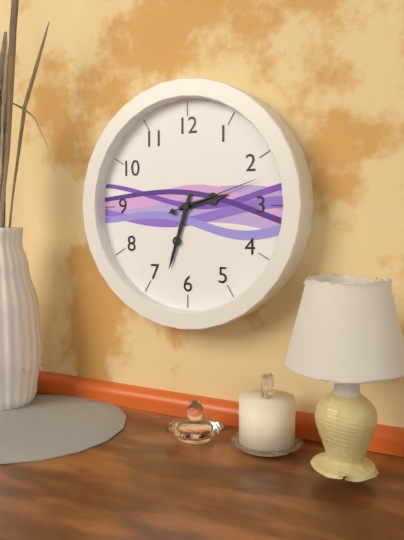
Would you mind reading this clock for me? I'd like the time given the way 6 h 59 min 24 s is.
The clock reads 2 h 33 min 12 s
